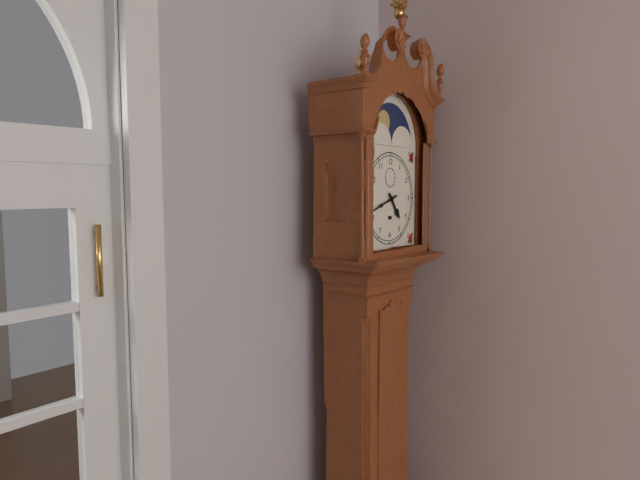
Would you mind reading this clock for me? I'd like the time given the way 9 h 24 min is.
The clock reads 4 h 42 min
